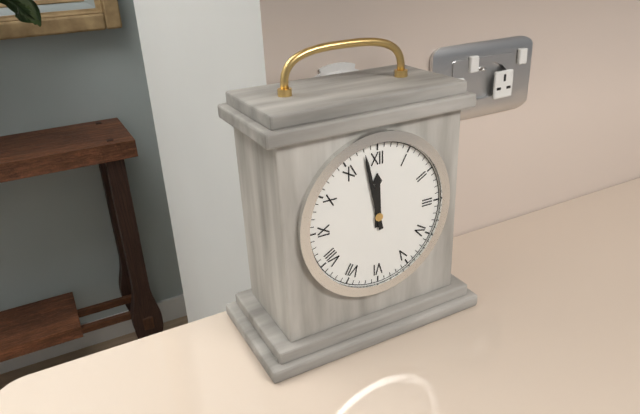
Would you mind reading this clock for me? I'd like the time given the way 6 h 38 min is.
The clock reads 11 h 58 min
